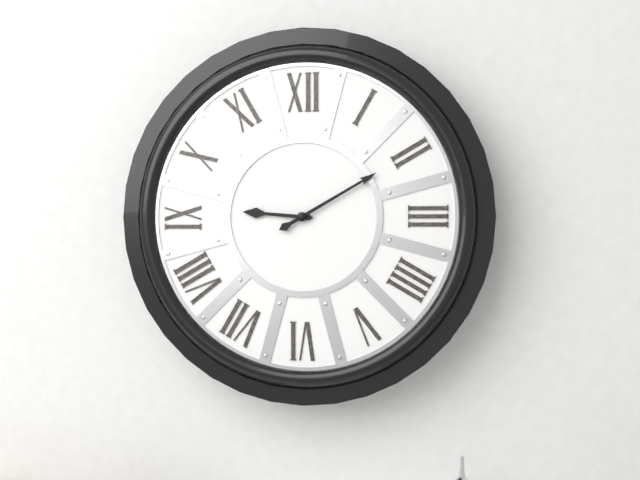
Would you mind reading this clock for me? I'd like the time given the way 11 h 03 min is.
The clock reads 9 h 10 min
